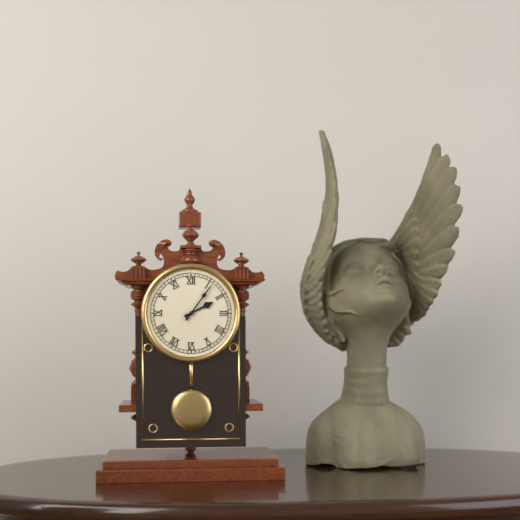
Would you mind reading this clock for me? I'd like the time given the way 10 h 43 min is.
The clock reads 2 h 06 min
